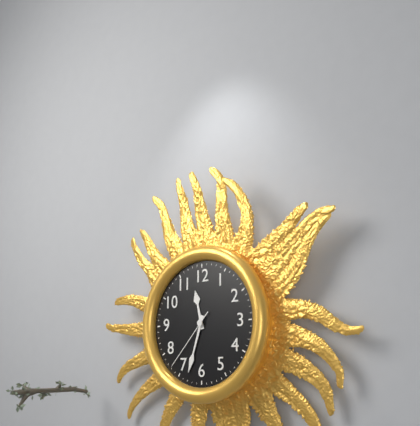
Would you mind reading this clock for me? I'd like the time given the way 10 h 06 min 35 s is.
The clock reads 11 h 33 min 37 s
